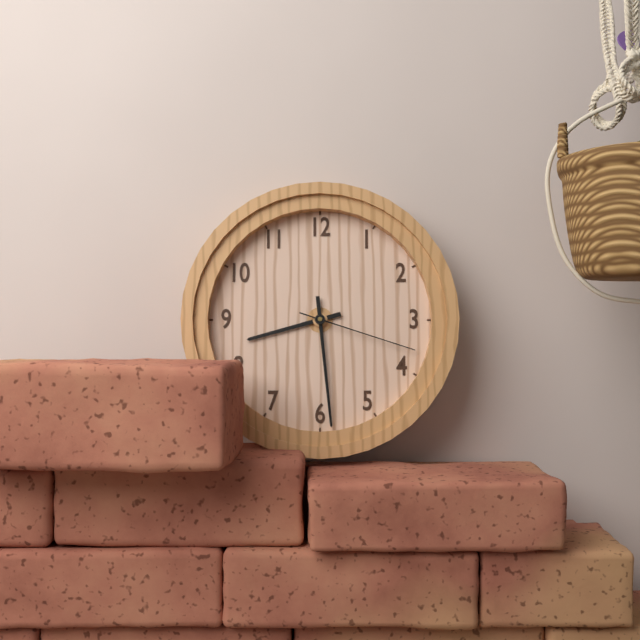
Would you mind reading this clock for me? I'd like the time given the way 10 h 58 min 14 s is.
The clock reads 8 h 29 min 18 s
